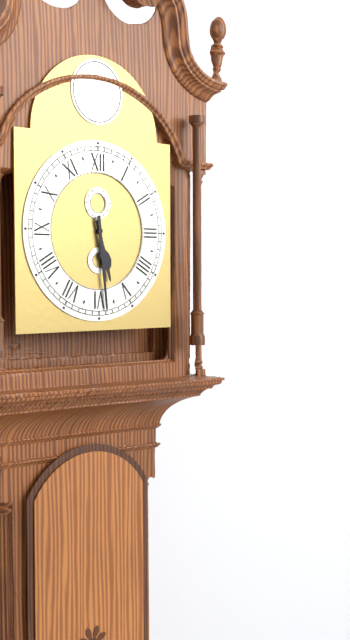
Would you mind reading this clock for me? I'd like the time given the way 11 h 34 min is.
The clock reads 5 h 29 min
